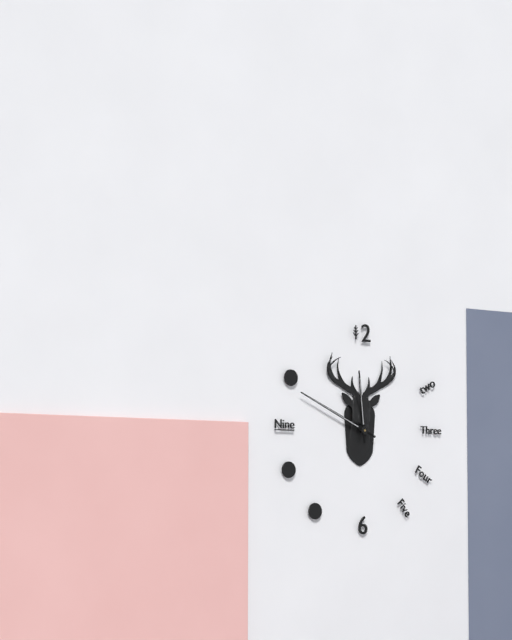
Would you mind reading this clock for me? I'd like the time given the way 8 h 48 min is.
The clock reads 11 h 49 min
